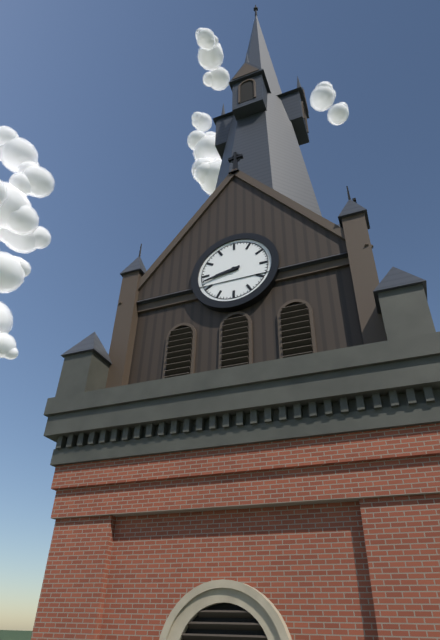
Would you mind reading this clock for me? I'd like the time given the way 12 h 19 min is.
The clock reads 8 h 43 min
